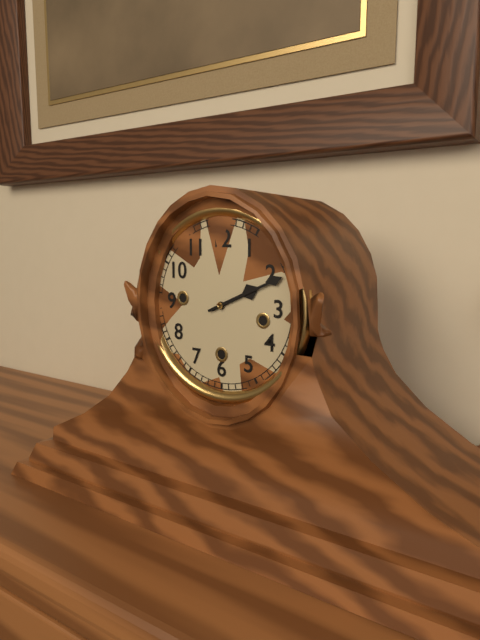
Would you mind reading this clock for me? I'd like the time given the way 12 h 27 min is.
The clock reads 2 h 11 min
